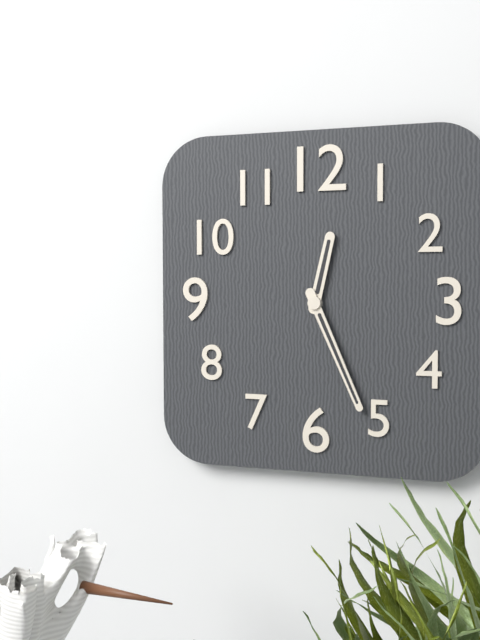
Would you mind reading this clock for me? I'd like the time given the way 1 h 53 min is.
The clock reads 12 h 26 min
